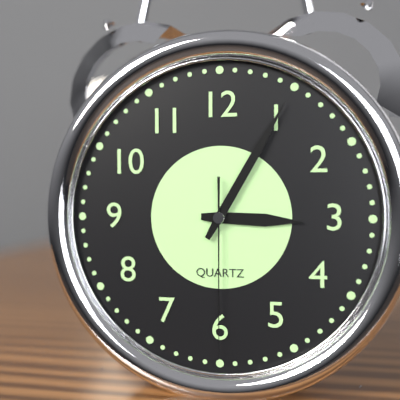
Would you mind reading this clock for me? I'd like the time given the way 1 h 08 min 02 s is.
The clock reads 3 h 05 min 30 s
